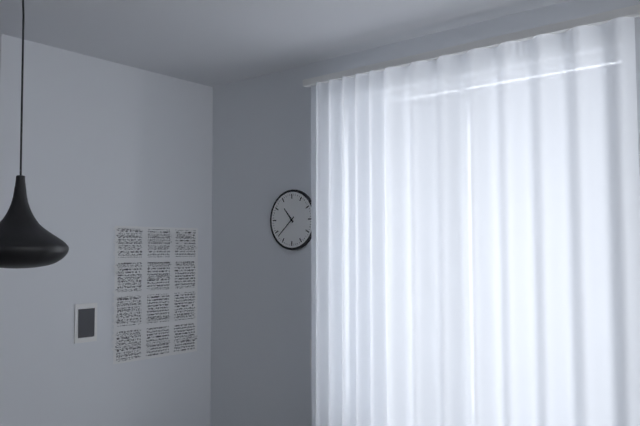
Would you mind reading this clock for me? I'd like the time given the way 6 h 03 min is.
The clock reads 10 h 38 min
